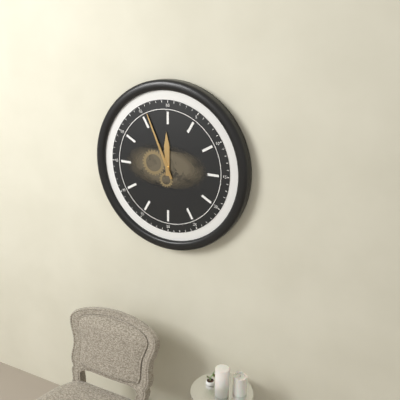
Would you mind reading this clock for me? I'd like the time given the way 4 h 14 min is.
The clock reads 11 h 56 min
